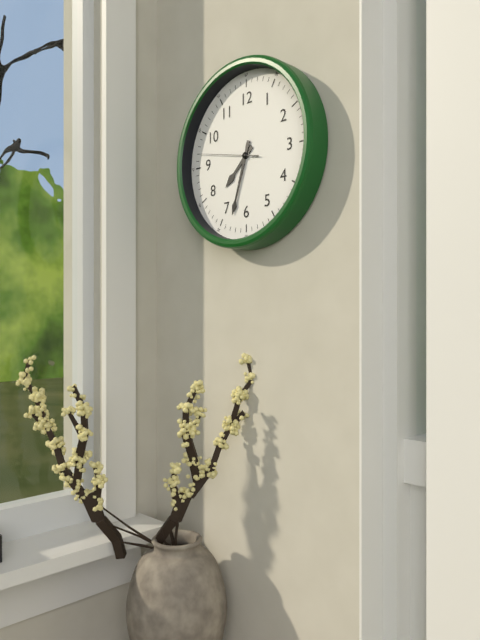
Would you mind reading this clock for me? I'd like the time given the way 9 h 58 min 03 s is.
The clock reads 7 h 33 min 47 s
